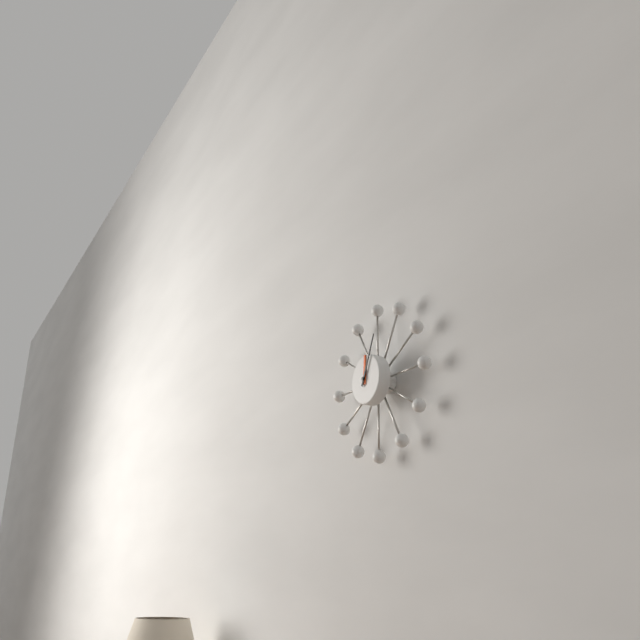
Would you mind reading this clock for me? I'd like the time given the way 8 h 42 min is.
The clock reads 12 h 04 min
